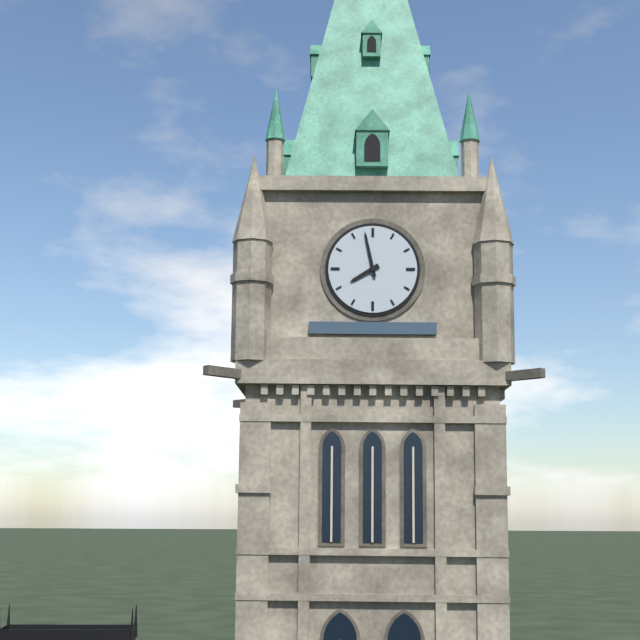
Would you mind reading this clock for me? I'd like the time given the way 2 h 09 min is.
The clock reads 7 h 58 min
